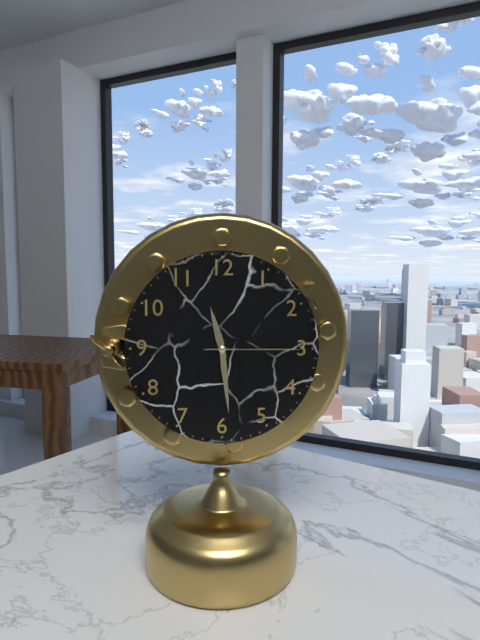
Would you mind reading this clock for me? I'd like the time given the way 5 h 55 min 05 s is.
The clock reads 11 h 29 min 15 s
